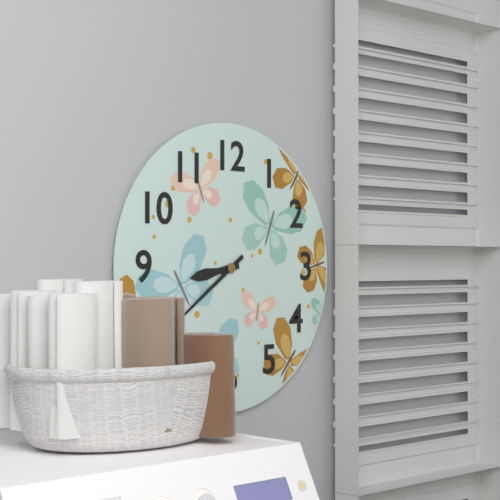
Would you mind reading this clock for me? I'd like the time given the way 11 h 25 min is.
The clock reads 8 h 39 min
